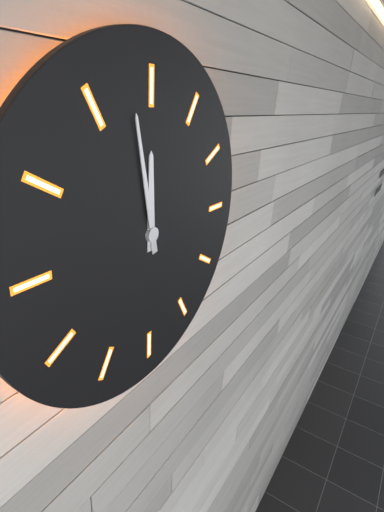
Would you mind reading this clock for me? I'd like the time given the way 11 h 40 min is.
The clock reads 11 h 58 min
